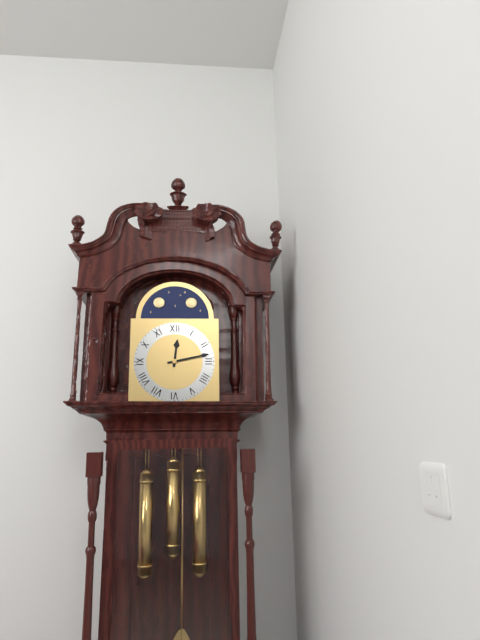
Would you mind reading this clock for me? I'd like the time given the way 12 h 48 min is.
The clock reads 12 h 13 min
